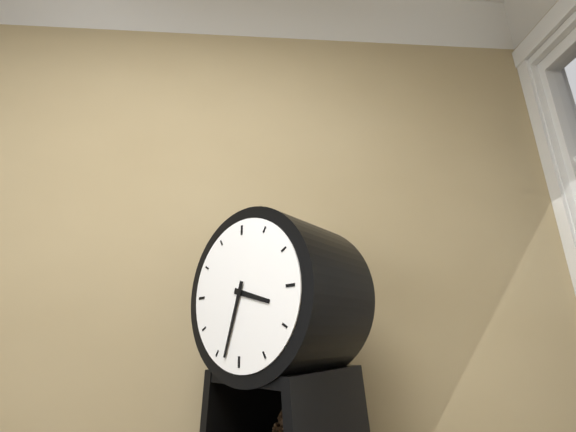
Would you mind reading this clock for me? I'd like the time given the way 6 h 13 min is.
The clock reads 3 h 33 min
